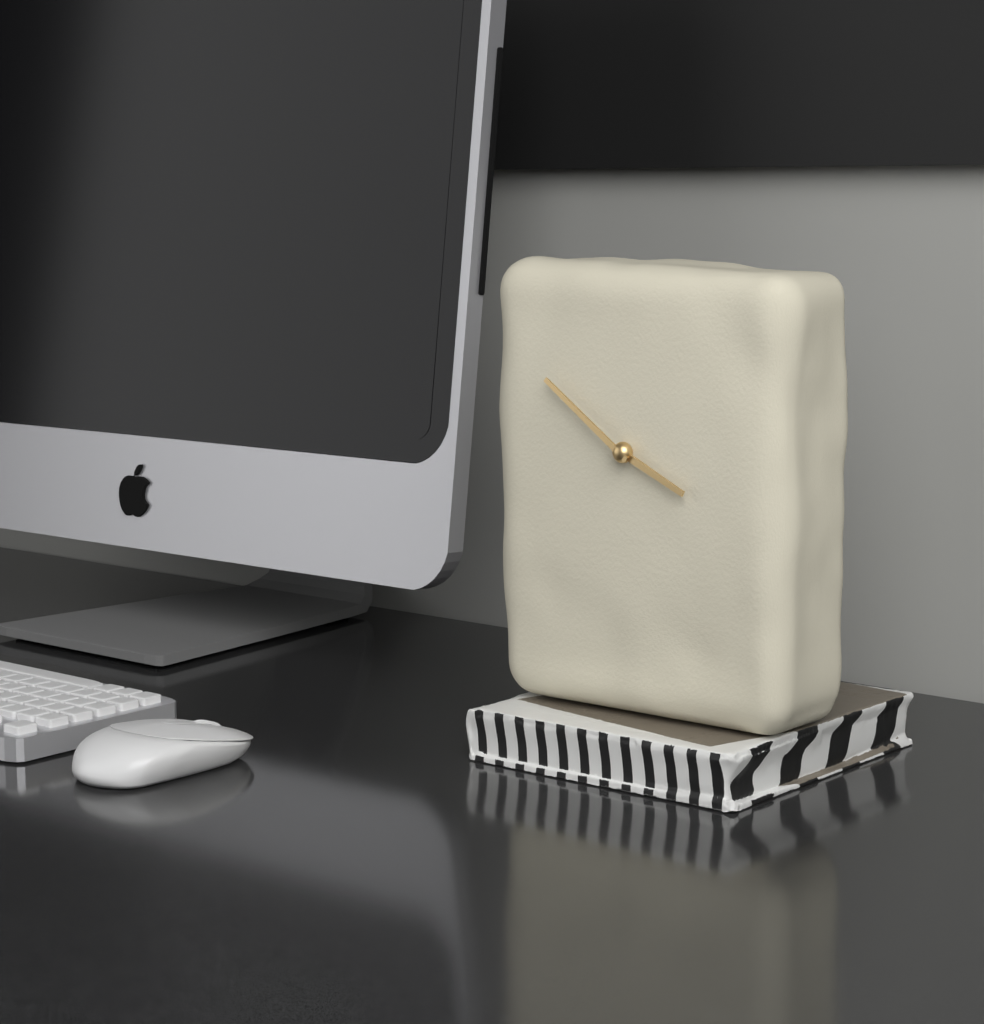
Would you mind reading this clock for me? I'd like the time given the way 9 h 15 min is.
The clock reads 3 h 51 min
